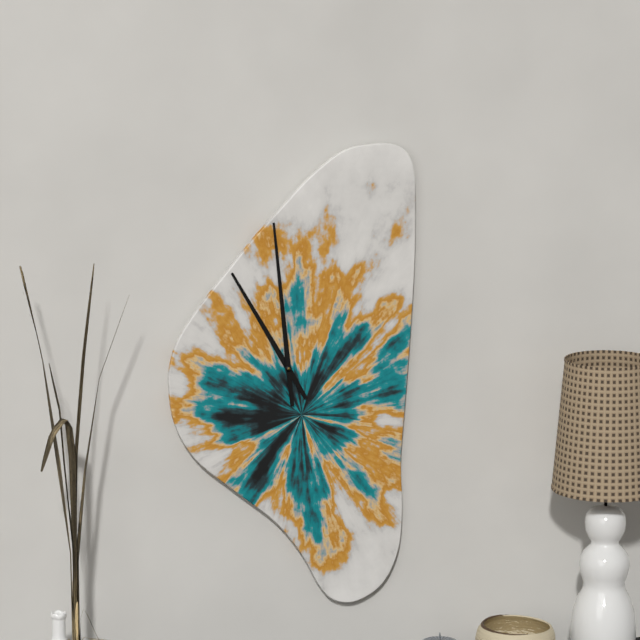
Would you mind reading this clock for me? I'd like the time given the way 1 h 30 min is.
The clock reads 10 h 59 min
